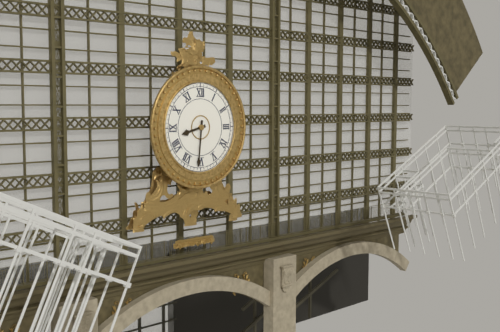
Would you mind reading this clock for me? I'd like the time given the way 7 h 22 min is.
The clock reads 8 h 31 min
